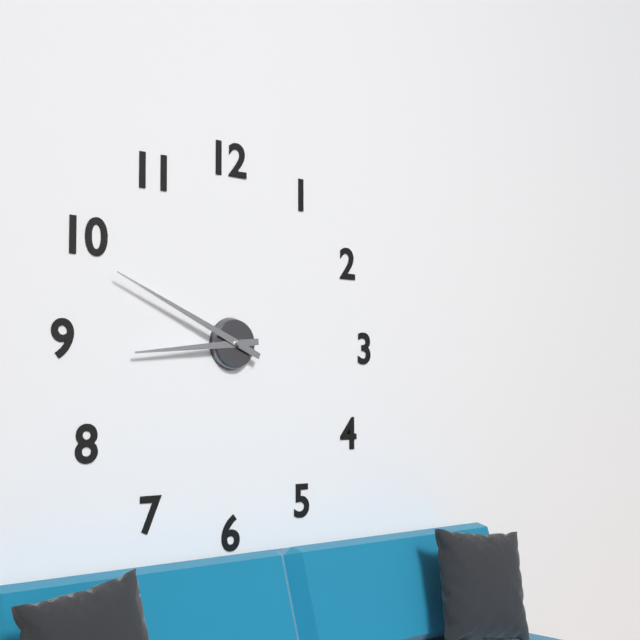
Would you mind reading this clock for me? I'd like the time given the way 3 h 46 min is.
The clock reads 8 h 49 min
